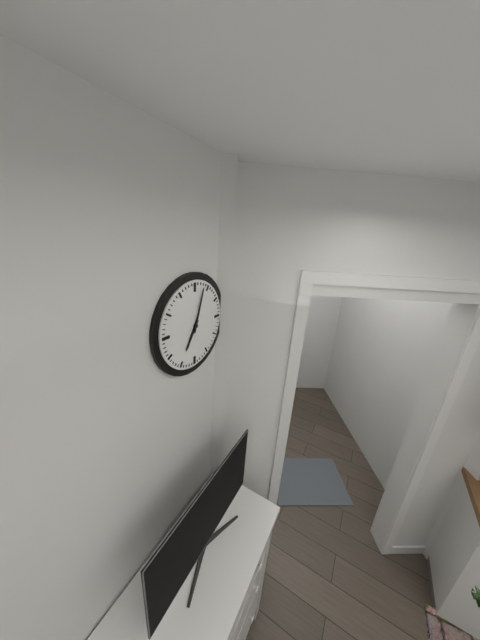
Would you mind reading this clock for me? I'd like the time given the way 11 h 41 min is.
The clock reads 7 h 03 min
